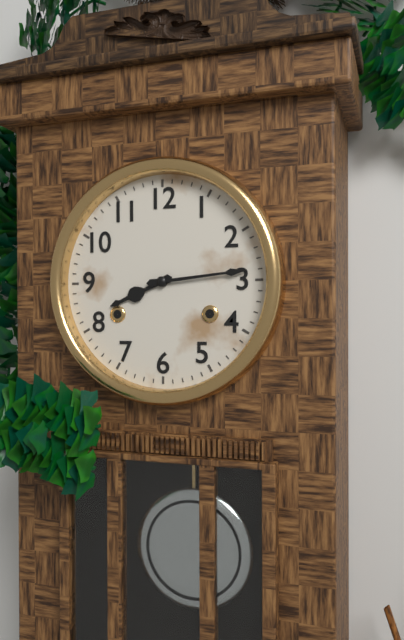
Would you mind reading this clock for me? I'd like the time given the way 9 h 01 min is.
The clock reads 8 h 14 min
